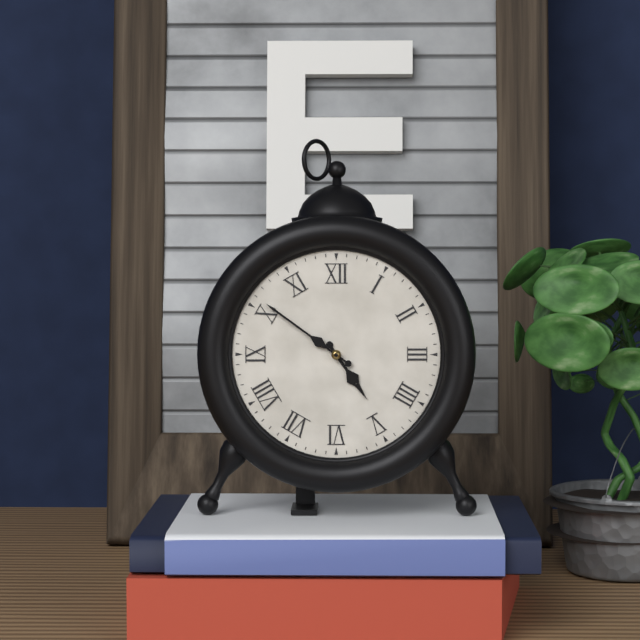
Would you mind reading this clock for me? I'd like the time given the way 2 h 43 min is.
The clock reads 4 h 51 min
